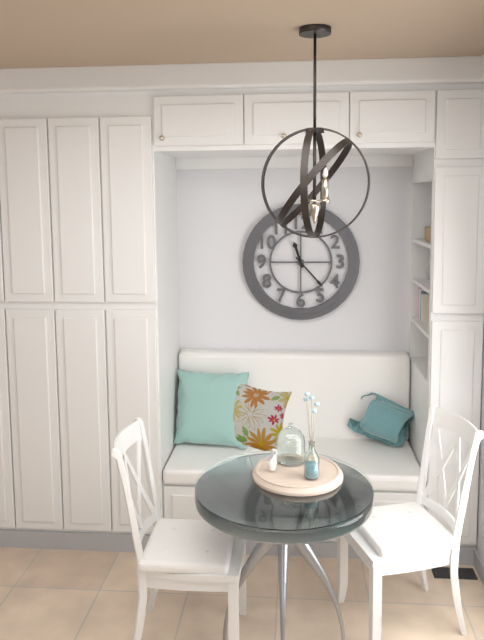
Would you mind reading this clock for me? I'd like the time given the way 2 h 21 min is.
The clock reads 11 h 23 min
